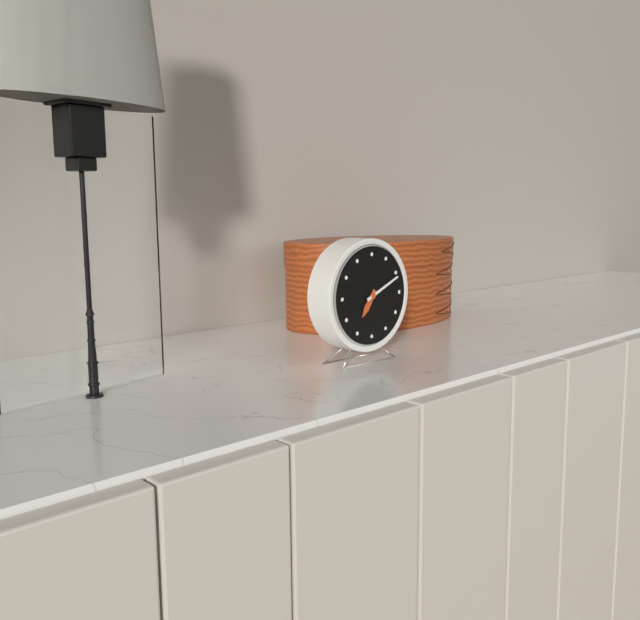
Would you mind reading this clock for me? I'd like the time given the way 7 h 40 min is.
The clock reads 7 h 11 min
